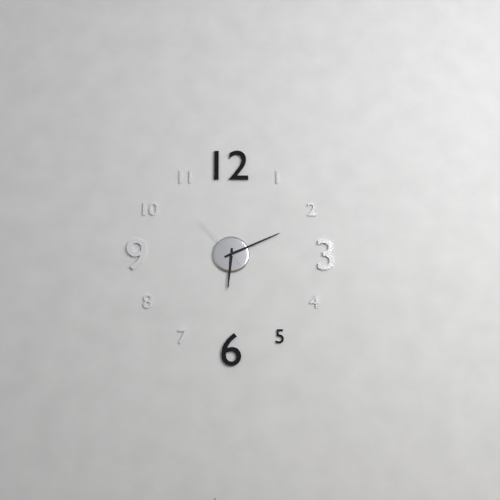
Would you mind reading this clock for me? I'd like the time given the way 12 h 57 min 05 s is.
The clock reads 6 h 11 min 53 s
